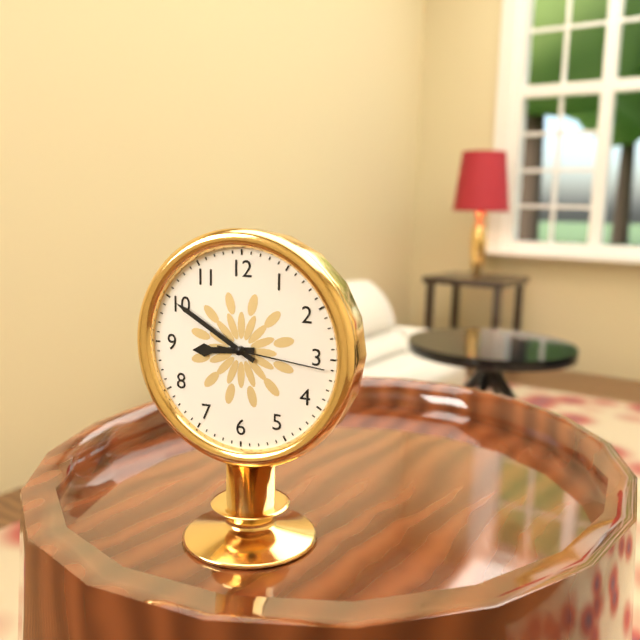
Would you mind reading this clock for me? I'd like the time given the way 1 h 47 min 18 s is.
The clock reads 8 h 50 min 16 s
